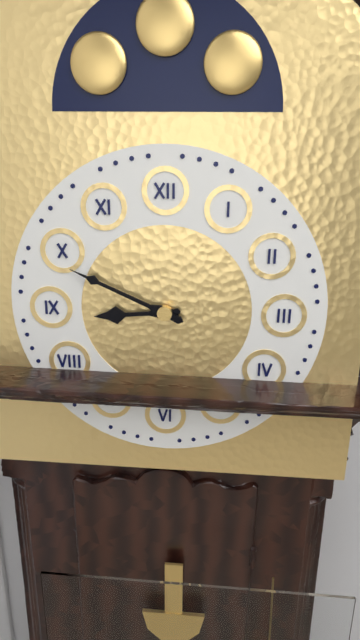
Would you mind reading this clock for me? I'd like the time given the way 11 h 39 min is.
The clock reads 8 h 49 min
